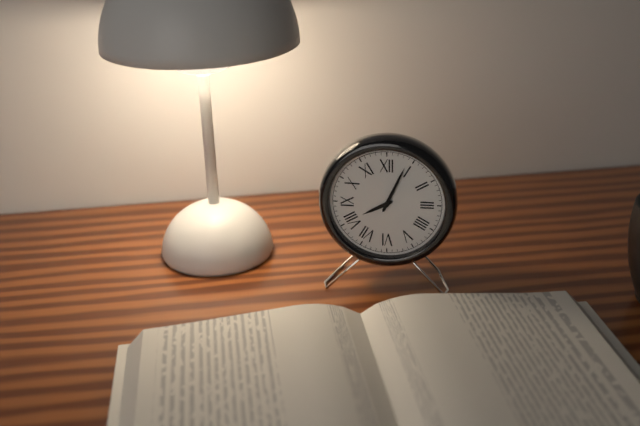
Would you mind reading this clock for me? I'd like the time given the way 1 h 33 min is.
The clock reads 8 h 04 min
